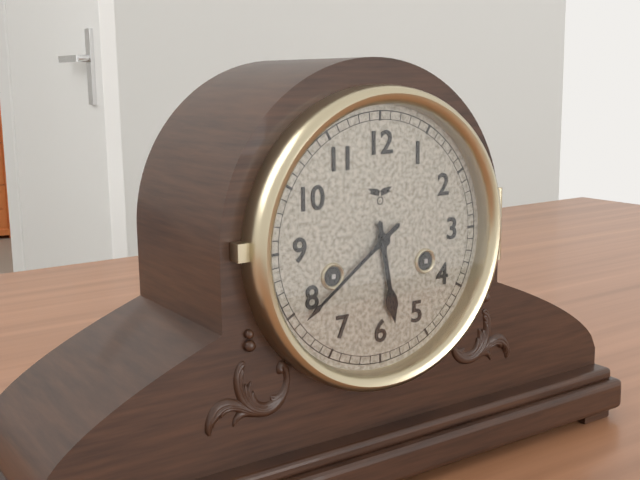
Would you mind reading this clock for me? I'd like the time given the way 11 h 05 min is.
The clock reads 5 h 39 min
